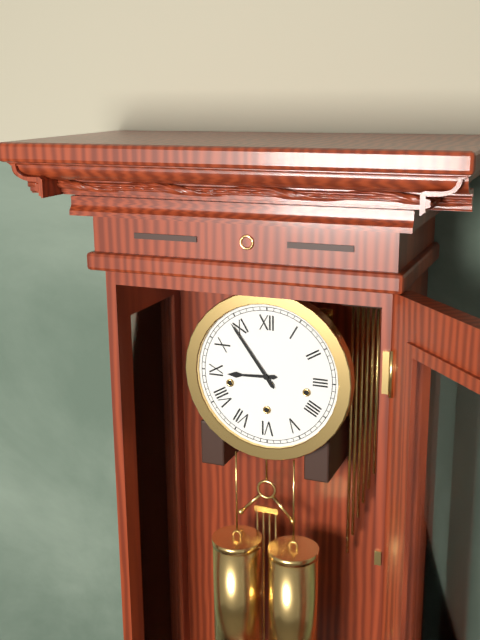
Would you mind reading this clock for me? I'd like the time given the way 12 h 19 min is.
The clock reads 8 h 54 min
